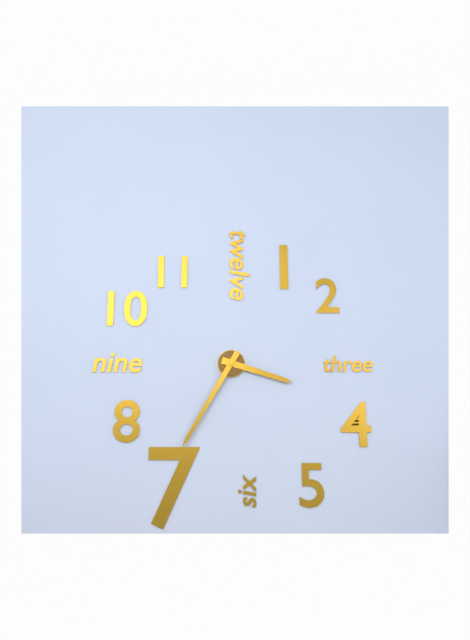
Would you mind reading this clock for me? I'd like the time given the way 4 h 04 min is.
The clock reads 3 h 35 min
